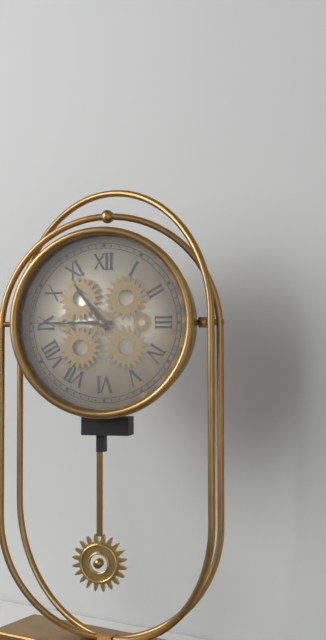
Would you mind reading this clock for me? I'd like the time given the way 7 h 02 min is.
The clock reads 10 h 45 min
